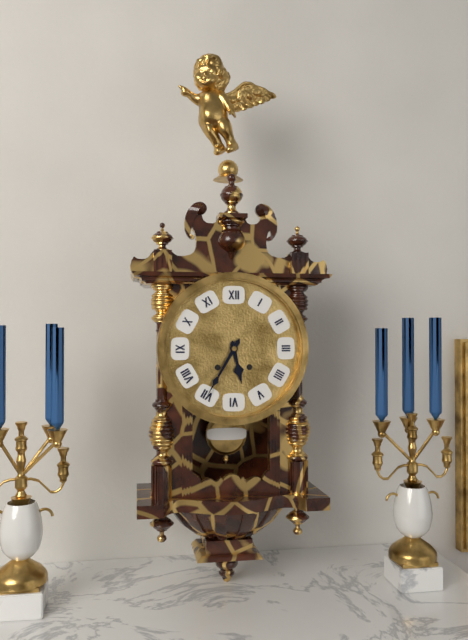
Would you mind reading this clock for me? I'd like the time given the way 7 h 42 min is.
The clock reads 5 h 35 min
